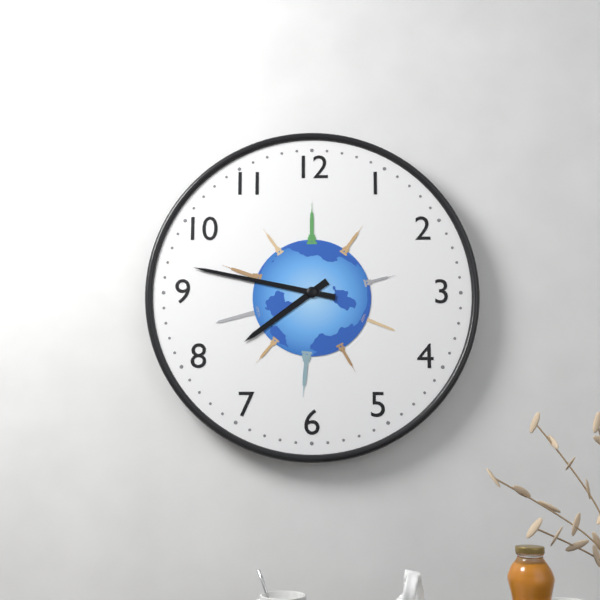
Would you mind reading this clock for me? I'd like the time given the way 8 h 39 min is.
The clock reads 7 h 47 min
